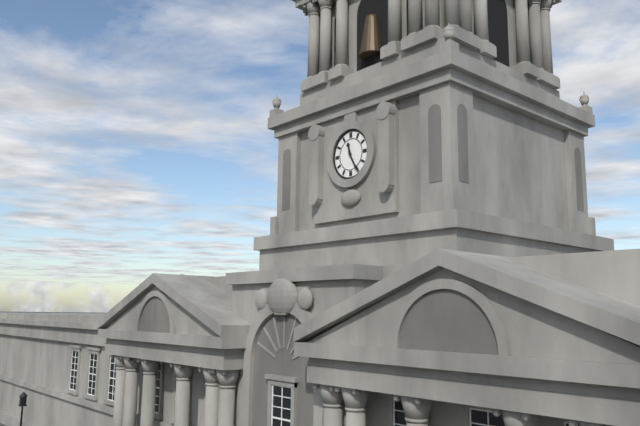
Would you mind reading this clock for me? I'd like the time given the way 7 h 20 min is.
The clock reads 11 h 25 min
